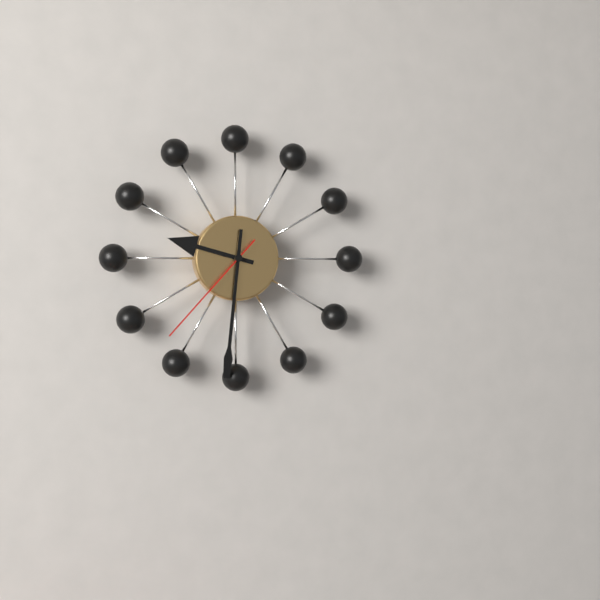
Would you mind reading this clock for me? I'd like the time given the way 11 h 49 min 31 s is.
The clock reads 9 h 31 min 37 s
